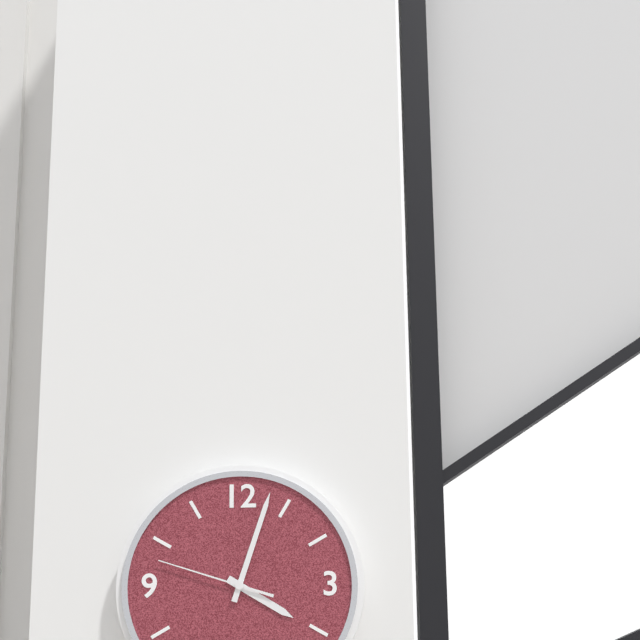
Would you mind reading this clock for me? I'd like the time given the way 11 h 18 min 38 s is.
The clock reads 4 h 03 min 48 s
